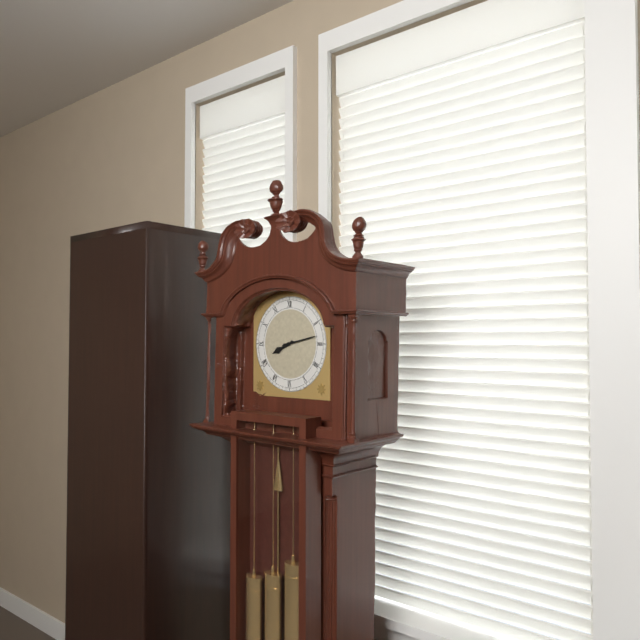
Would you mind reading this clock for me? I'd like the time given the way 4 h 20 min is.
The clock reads 8 h 13 min
